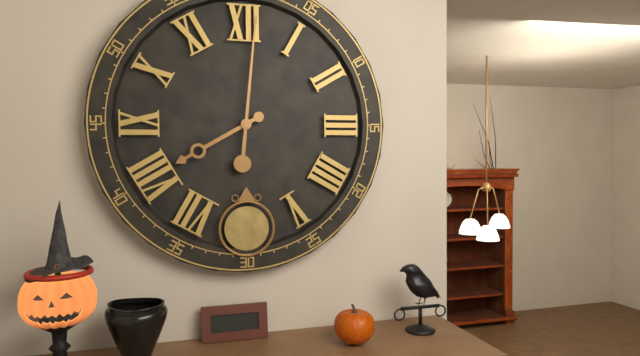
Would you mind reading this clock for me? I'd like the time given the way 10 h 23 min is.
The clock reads 8 h 01 min
